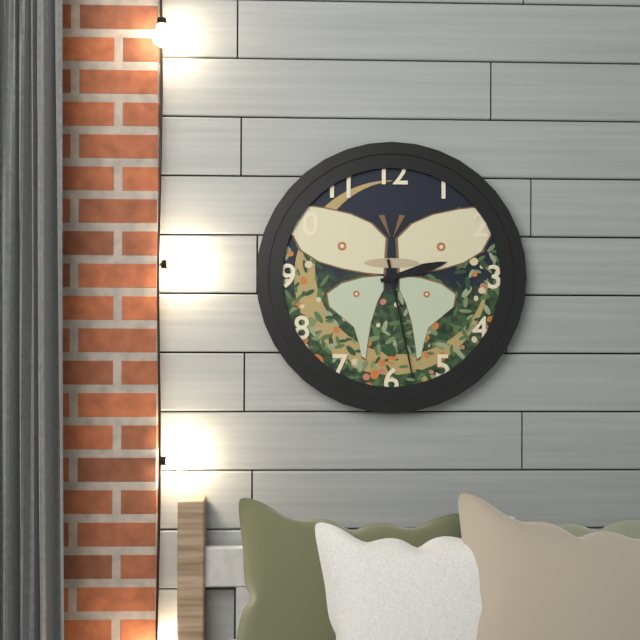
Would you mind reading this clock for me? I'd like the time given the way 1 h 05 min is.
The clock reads 2 h 28 min
